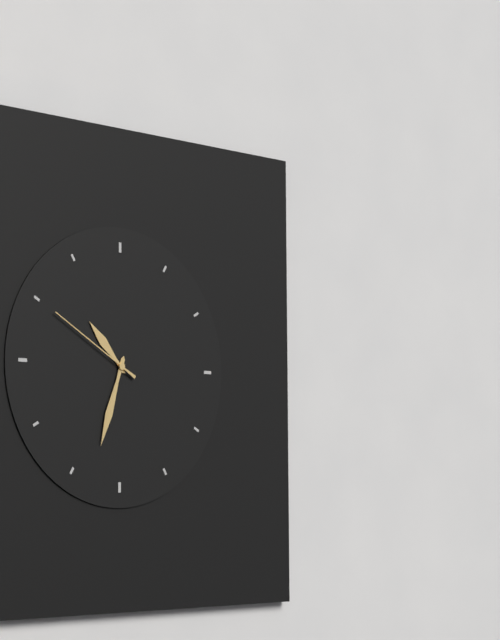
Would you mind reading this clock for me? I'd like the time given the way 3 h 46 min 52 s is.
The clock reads 10 h 33 min 50 s
